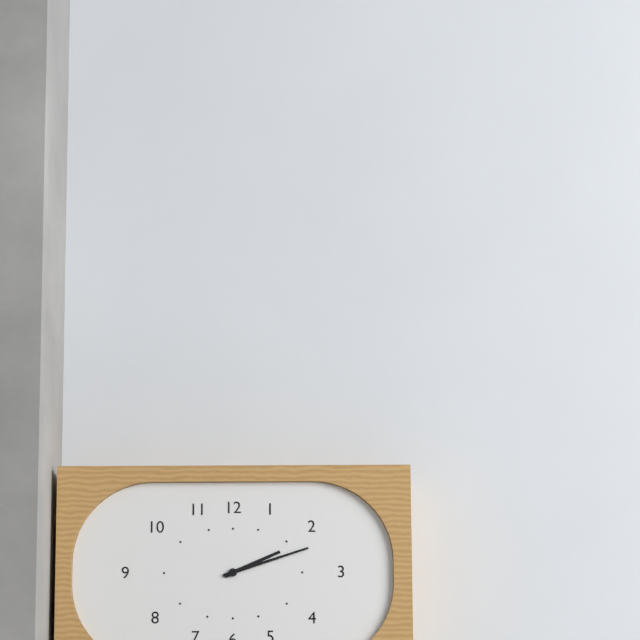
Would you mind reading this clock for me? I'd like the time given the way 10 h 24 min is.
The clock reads 2 h 12 min
